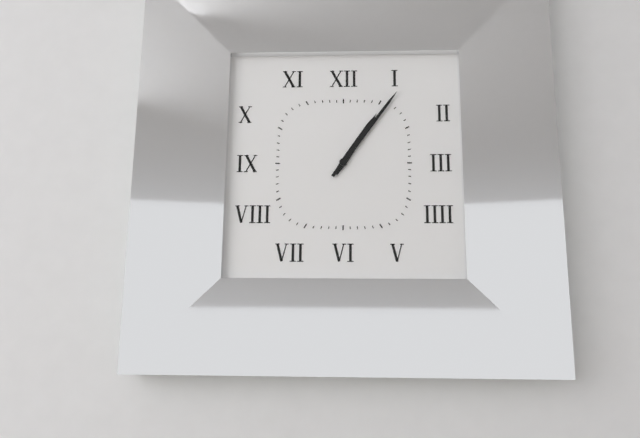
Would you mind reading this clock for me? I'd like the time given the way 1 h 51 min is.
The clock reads 1 h 06 min
